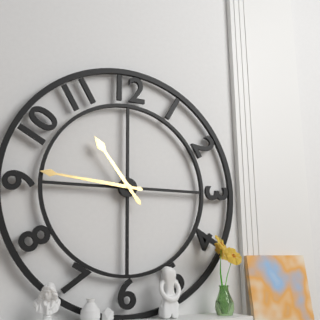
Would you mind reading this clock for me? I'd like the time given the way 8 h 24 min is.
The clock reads 10 h 46 min
